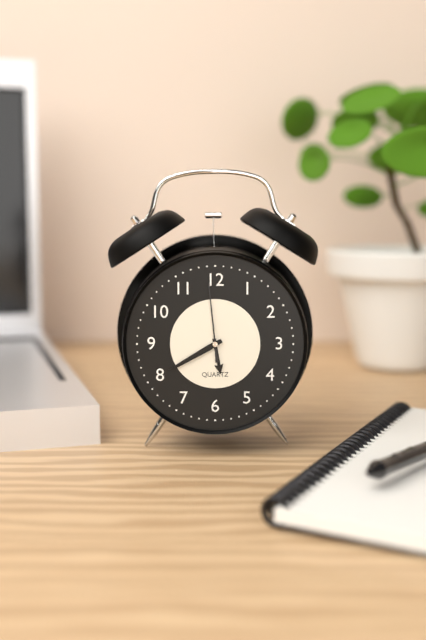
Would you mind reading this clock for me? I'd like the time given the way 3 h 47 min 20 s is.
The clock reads 5 h 40 min 59 s
